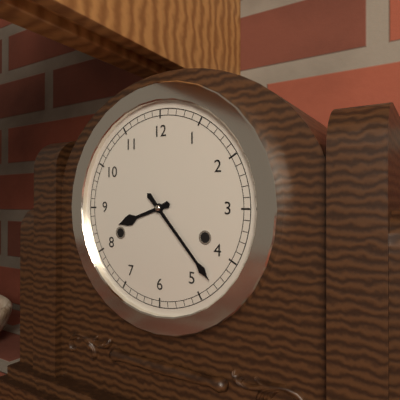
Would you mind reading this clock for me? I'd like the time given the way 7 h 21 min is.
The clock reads 8 h 23 min
